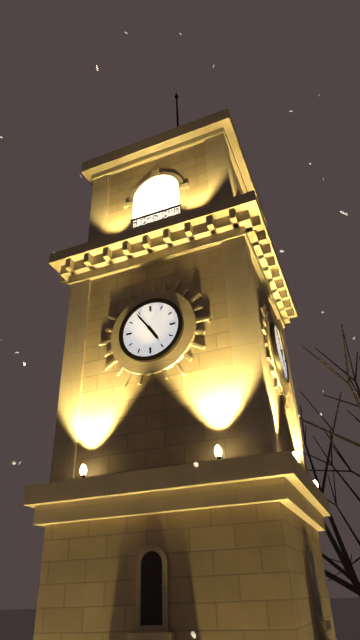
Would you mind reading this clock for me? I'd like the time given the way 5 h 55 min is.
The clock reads 4 h 54 min
